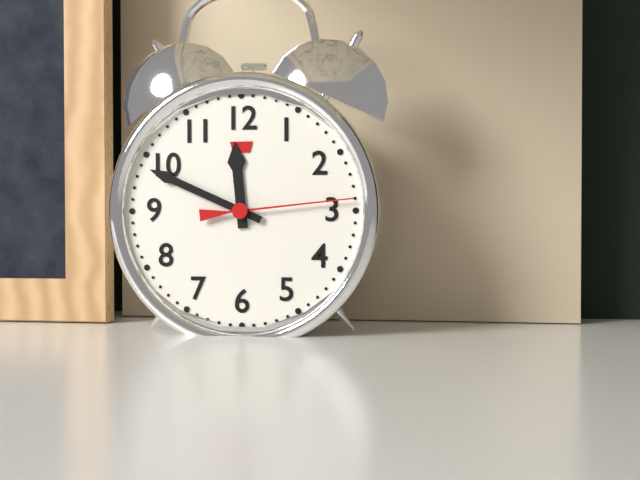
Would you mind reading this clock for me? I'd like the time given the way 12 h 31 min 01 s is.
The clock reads 11 h 49 min 14 s
